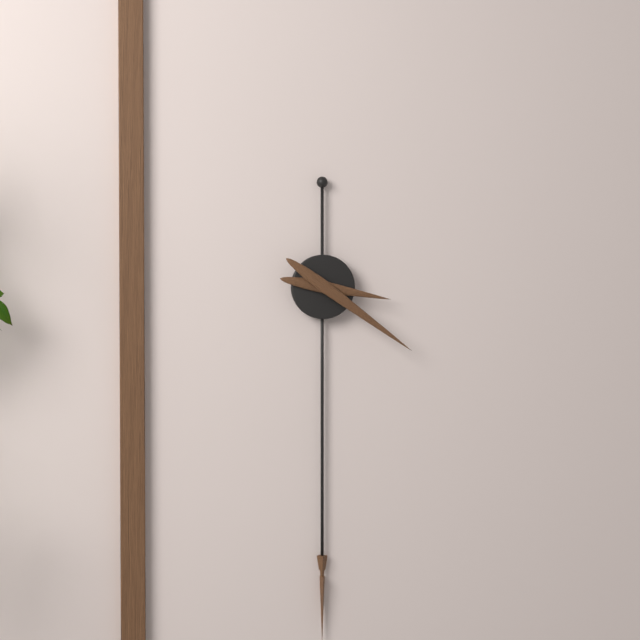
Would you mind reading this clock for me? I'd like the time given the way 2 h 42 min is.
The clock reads 3 h 21 min
